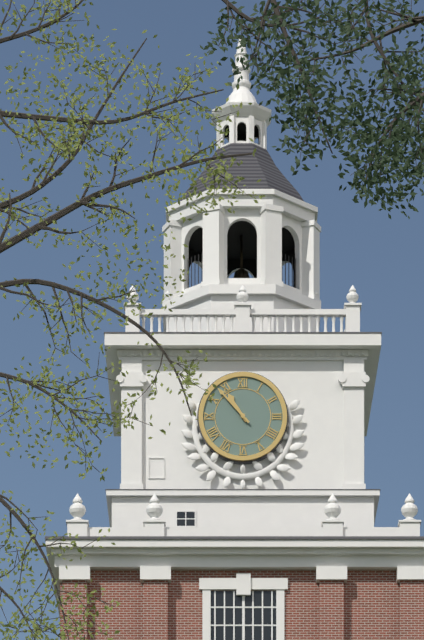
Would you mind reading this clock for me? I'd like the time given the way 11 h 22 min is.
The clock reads 10 h 53 min
